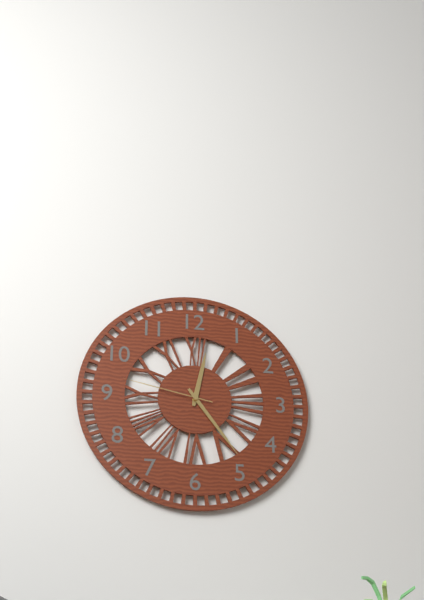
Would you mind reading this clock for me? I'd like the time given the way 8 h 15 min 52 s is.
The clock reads 12 h 24 min 47 s
